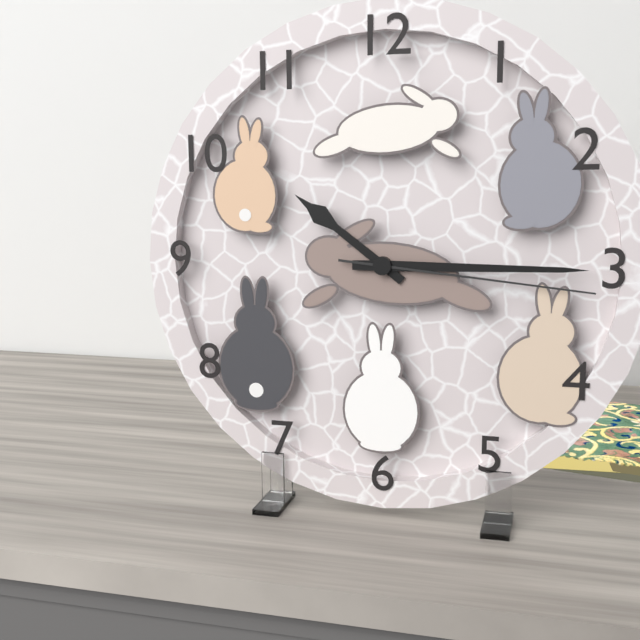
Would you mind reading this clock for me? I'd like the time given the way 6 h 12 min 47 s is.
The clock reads 10 h 15 min 16 s
